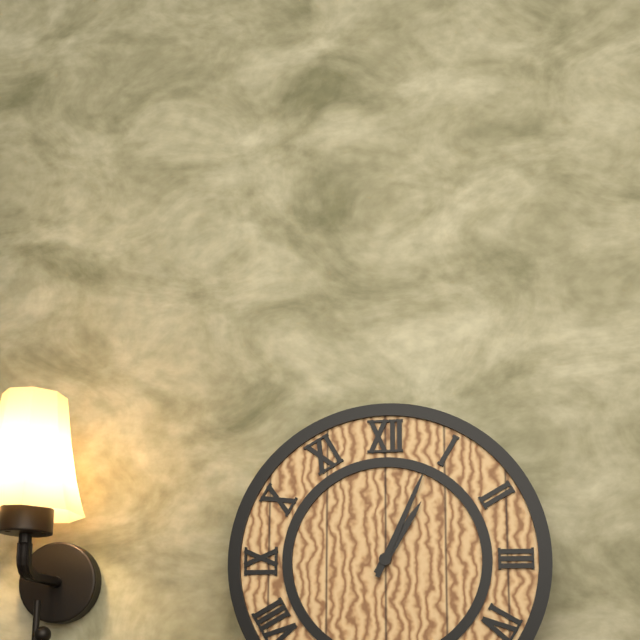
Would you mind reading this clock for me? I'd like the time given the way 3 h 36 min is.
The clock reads 1 h 04 min
